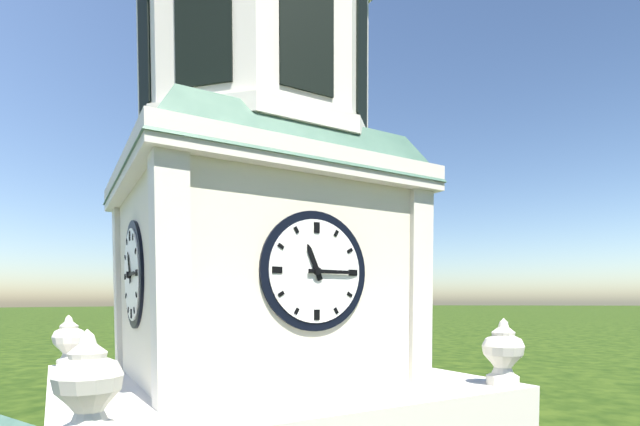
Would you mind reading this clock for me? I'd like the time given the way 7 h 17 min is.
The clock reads 11 h 15 min
